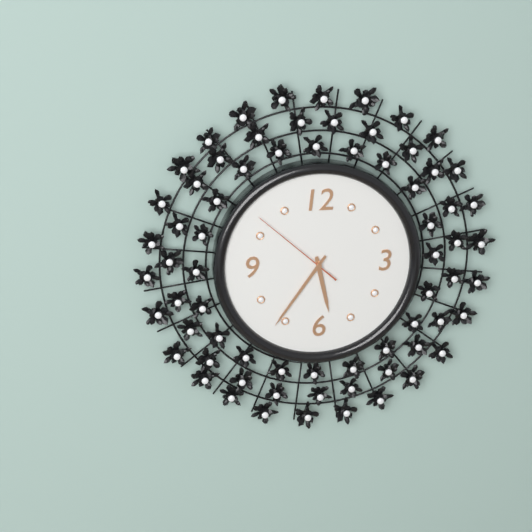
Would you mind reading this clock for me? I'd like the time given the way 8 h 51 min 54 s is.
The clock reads 5 h 36 min 52 s
